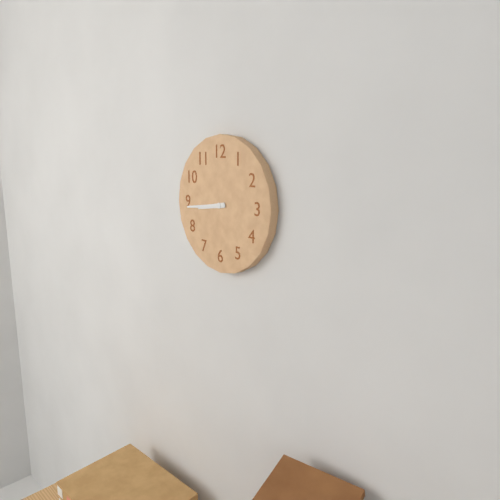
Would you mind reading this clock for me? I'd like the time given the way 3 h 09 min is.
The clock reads 8 h 44 min
